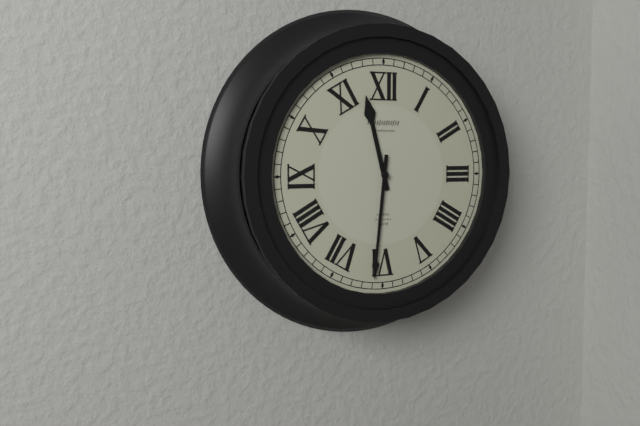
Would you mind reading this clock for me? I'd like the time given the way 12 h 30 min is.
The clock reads 11 h 31 min
